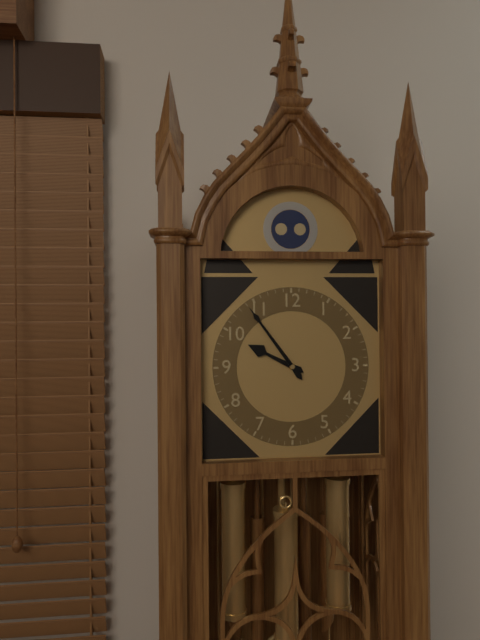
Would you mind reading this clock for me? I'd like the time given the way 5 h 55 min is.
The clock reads 9 h 54 min
